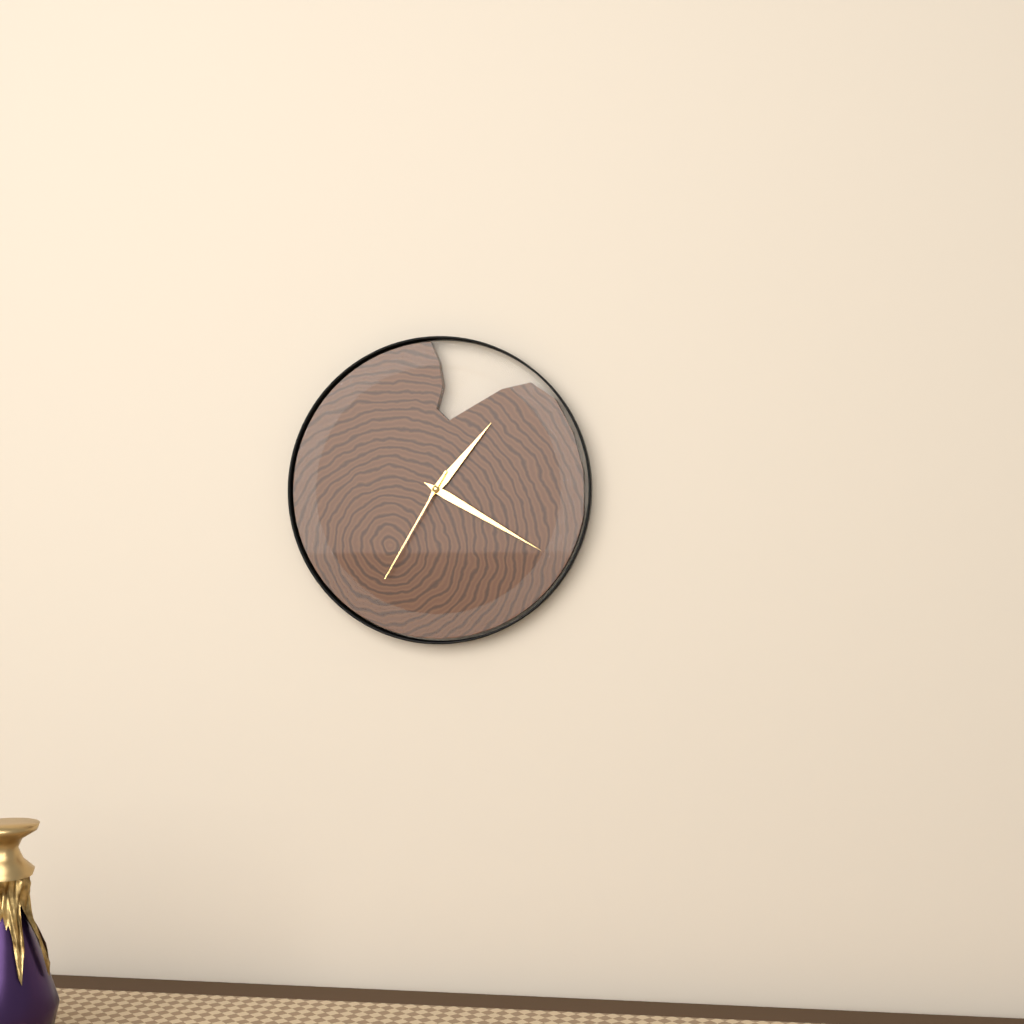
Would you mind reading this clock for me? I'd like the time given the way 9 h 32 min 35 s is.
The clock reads 1 h 20 min 35 s
